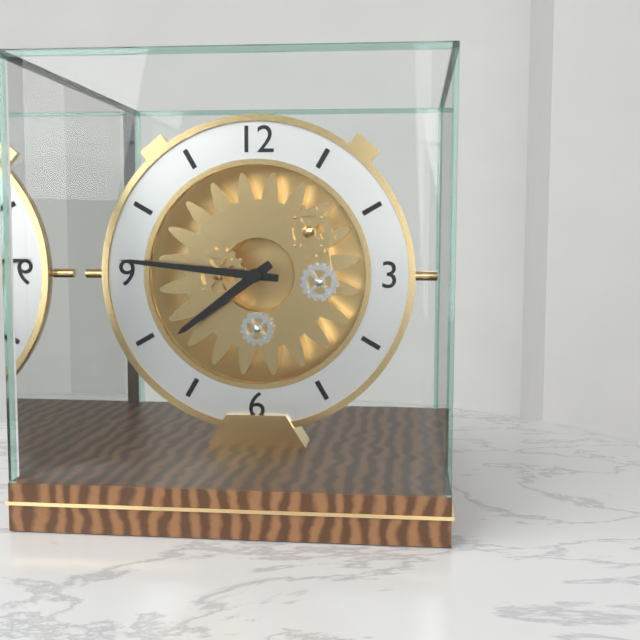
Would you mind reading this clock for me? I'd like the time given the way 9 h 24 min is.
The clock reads 7 h 46 min
